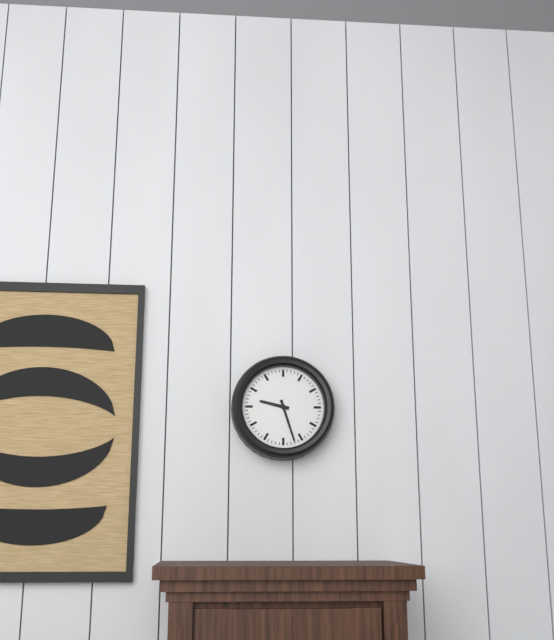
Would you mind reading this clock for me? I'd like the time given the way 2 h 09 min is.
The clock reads 9 h 27 min
